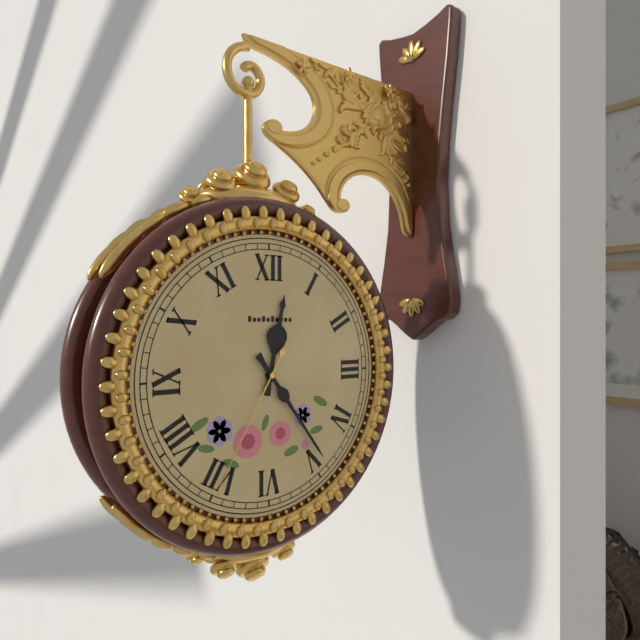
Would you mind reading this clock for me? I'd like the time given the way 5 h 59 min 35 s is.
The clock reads 12 h 24 min 35 s
